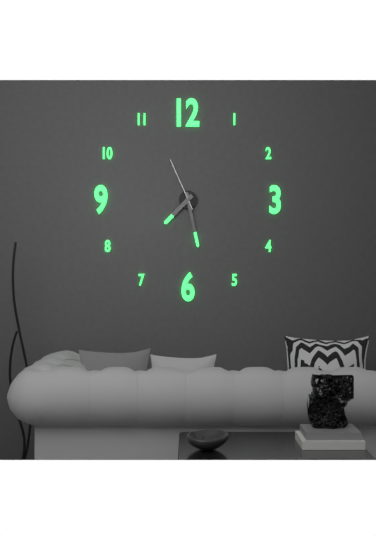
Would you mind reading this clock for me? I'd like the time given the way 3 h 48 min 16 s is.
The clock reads 7 h 28 min 56 s
